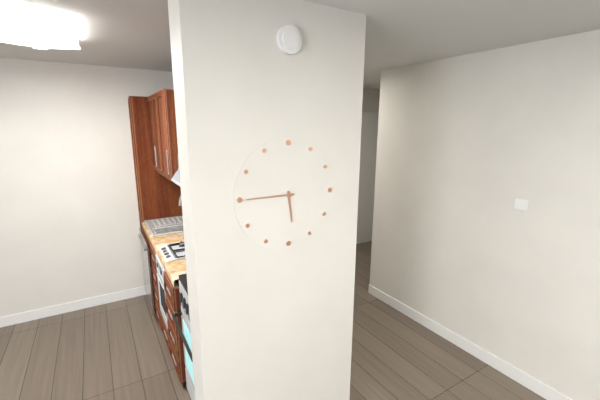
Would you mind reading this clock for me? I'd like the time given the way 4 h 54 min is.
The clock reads 5 h 45 min
